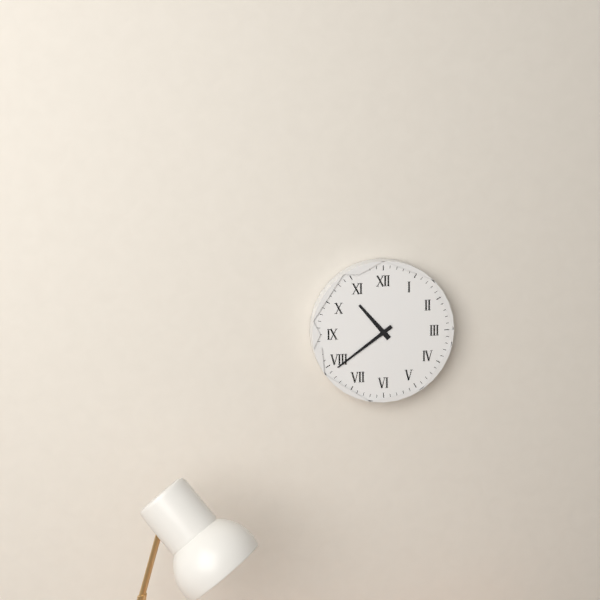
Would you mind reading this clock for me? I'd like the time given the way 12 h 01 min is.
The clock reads 10 h 39 min
